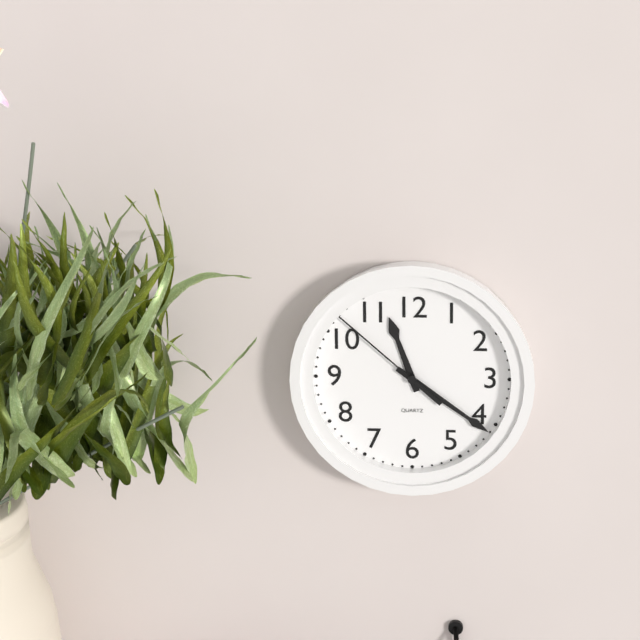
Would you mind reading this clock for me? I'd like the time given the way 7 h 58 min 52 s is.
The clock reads 11 h 21 min 52 s
